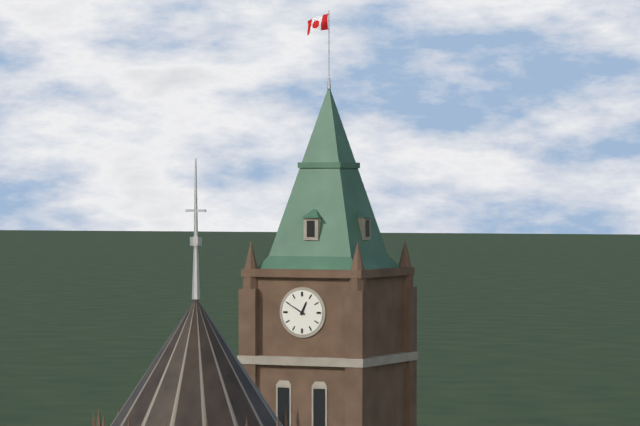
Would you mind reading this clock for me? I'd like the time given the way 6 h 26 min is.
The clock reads 12 h 50 min
